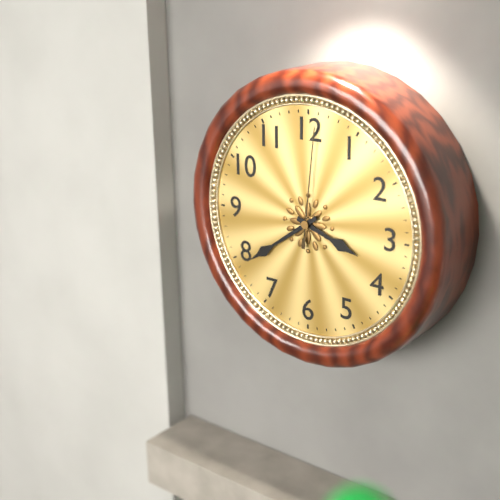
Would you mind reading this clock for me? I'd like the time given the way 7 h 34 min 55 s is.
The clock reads 3 h 39 min 01 s
